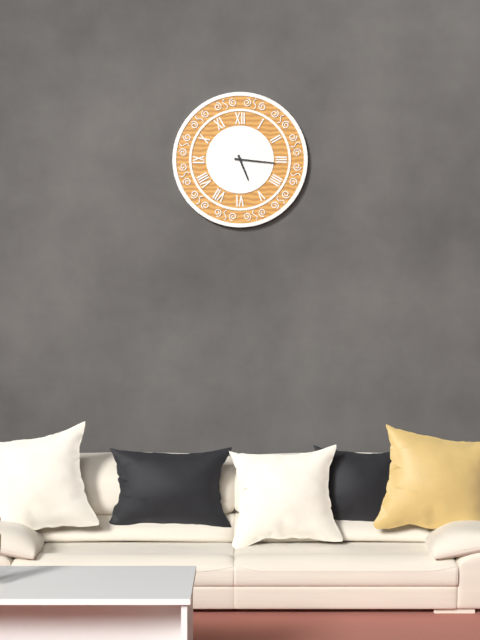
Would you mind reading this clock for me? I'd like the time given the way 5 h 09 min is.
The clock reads 5 h 16 min
